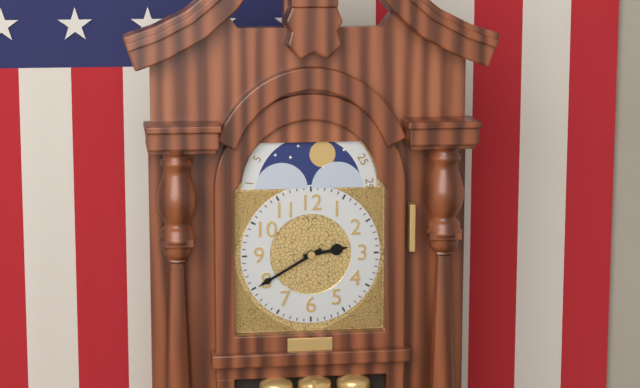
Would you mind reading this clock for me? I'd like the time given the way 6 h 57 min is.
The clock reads 2 h 40 min
